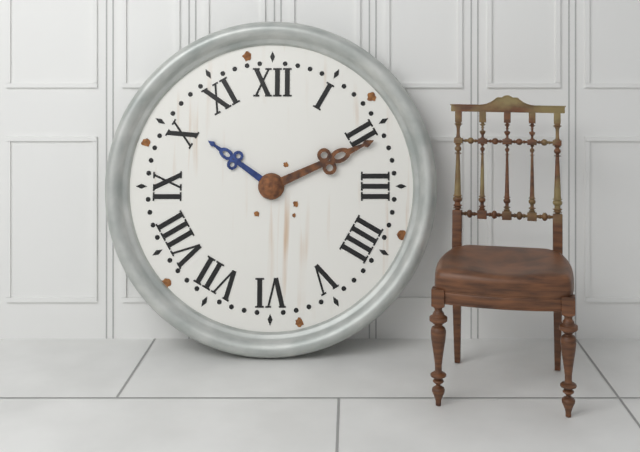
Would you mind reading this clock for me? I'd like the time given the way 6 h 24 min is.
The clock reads 10 h 11 min
